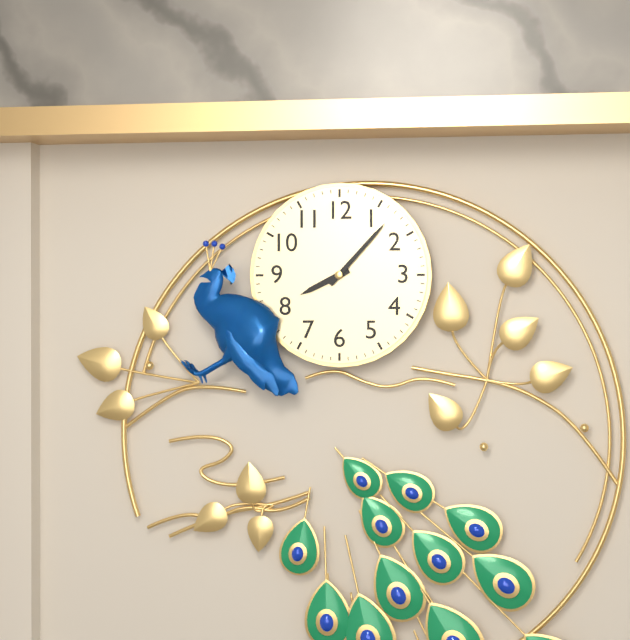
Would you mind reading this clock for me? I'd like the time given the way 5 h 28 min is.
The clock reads 8 h 07 min
